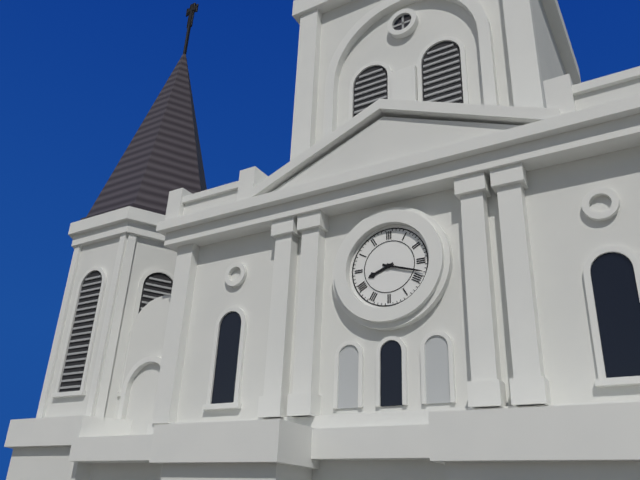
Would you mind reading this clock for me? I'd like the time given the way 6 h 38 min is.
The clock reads 8 h 18 min
